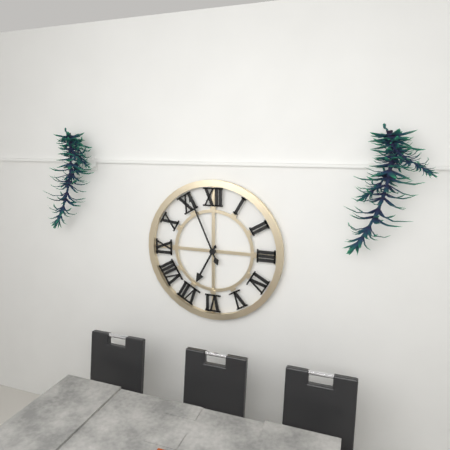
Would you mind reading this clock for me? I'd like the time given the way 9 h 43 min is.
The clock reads 6 h 56 min
